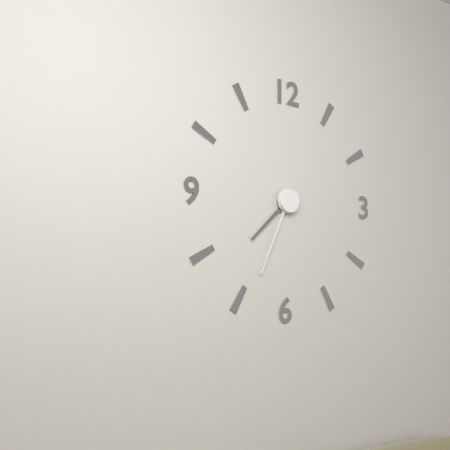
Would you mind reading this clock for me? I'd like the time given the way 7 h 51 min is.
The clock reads 7 h 34 min
